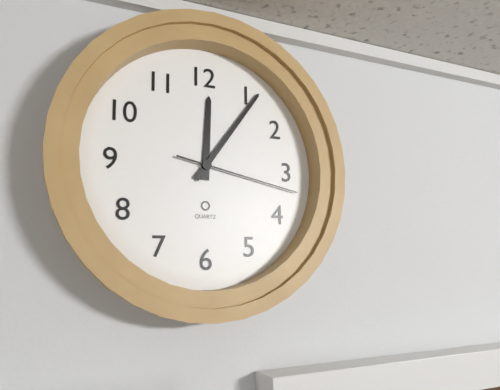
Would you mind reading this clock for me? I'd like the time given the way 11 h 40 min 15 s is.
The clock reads 12 h 06 min 17 s
